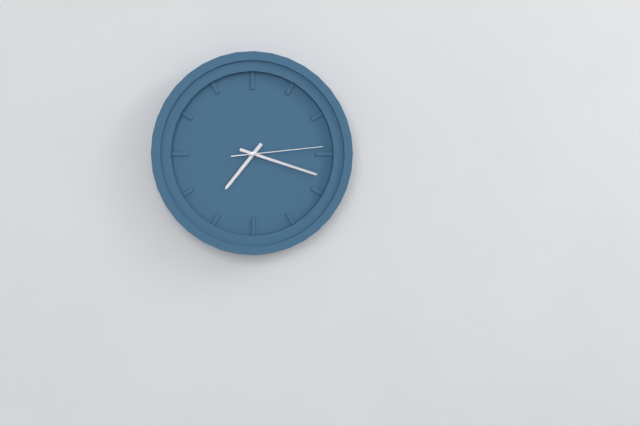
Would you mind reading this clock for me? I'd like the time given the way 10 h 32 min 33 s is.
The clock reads 7 h 18 min 14 s
